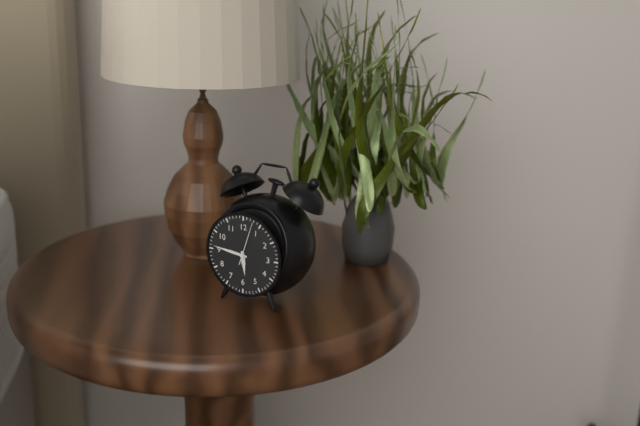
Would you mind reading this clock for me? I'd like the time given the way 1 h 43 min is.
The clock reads 5 h 46 min
